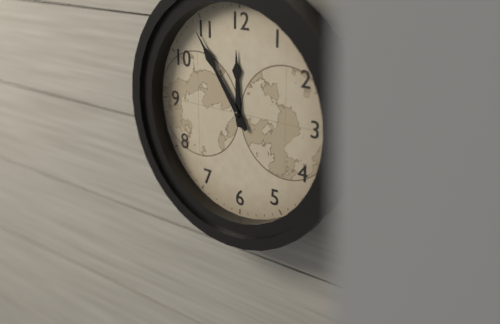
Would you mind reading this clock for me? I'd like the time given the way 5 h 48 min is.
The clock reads 11 h 54 min
